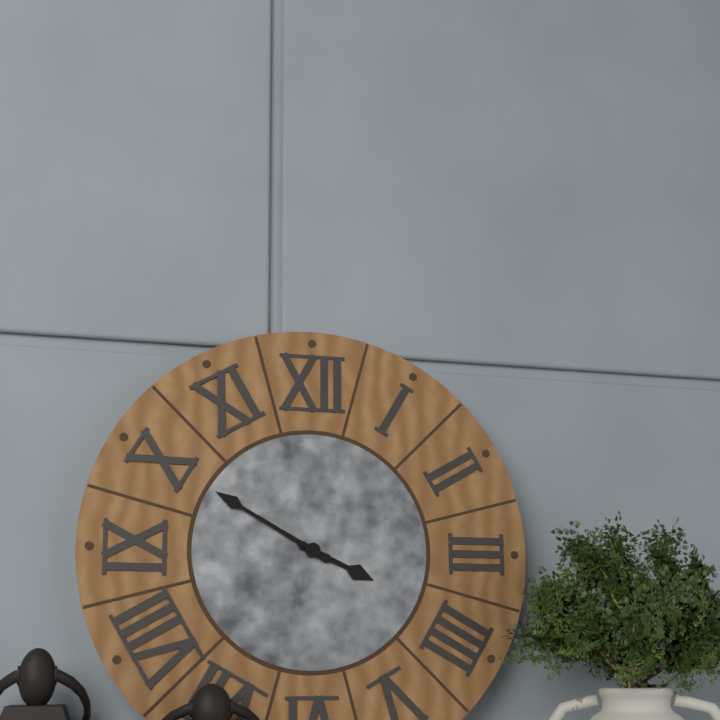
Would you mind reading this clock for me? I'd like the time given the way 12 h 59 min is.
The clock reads 3 h 50 min
